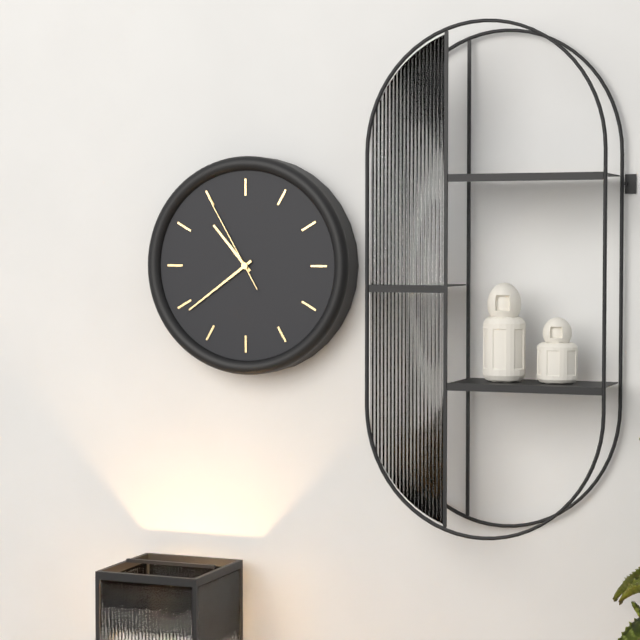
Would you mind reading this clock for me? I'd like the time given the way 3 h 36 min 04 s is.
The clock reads 10 h 39 min 55 s
